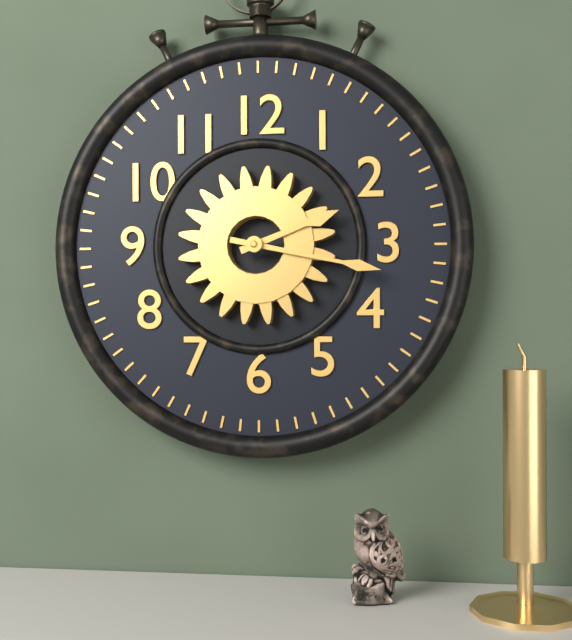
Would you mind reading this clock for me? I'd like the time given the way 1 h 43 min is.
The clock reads 2 h 17 min
